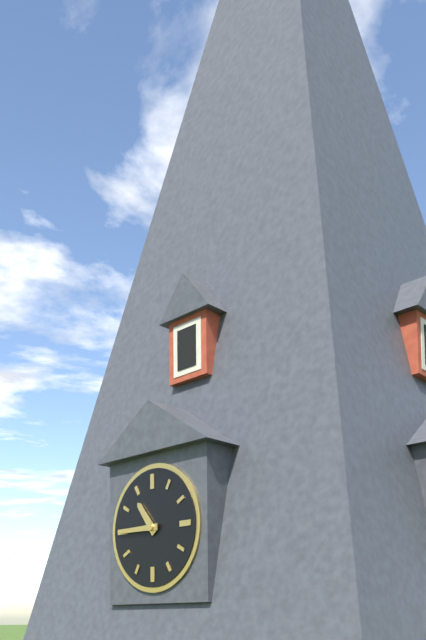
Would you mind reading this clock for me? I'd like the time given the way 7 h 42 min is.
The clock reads 10 h 45 min
